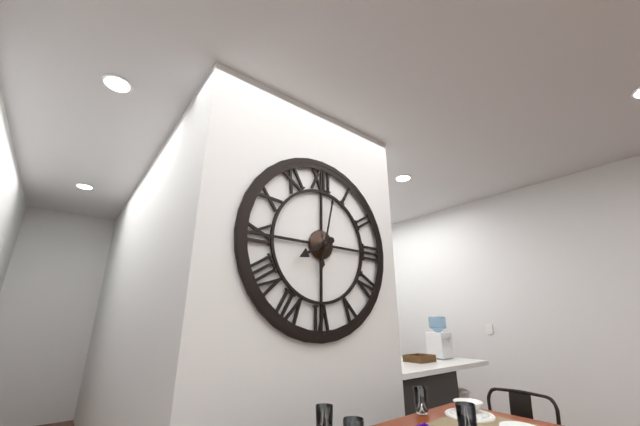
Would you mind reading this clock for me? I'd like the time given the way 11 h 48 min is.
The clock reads 8 h 02 min
